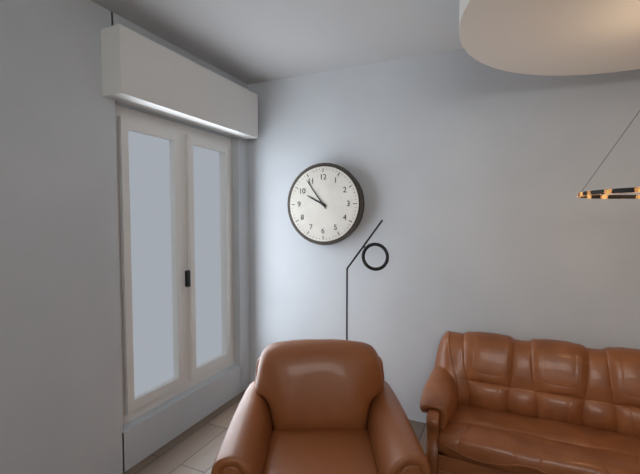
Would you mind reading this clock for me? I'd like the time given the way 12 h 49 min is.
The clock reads 9 h 54 min
